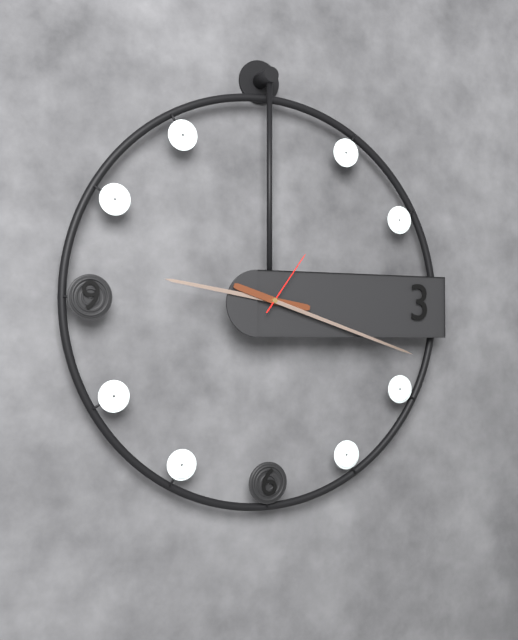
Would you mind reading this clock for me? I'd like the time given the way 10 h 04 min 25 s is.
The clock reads 9 h 18 min 06 s
